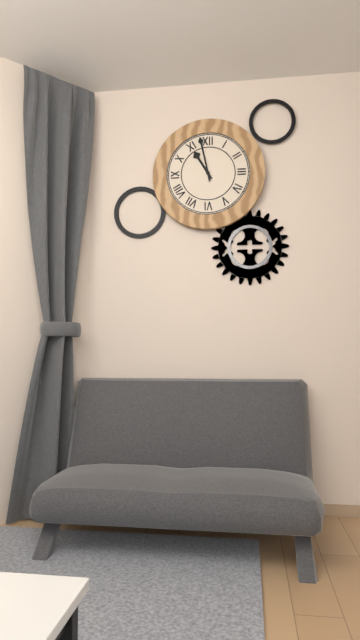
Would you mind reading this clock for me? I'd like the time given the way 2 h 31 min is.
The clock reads 10 h 58 min
